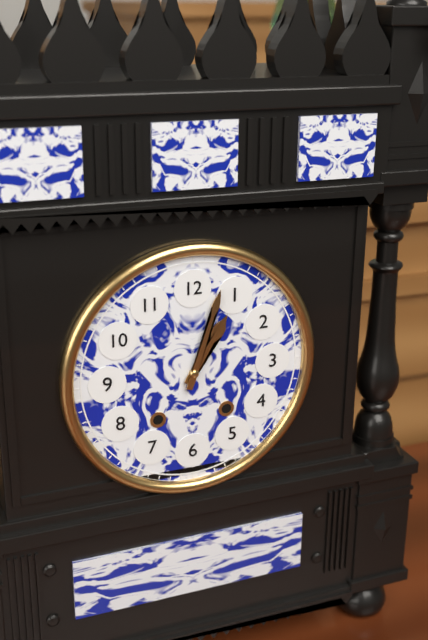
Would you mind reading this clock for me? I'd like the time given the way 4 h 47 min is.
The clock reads 1 h 03 min
